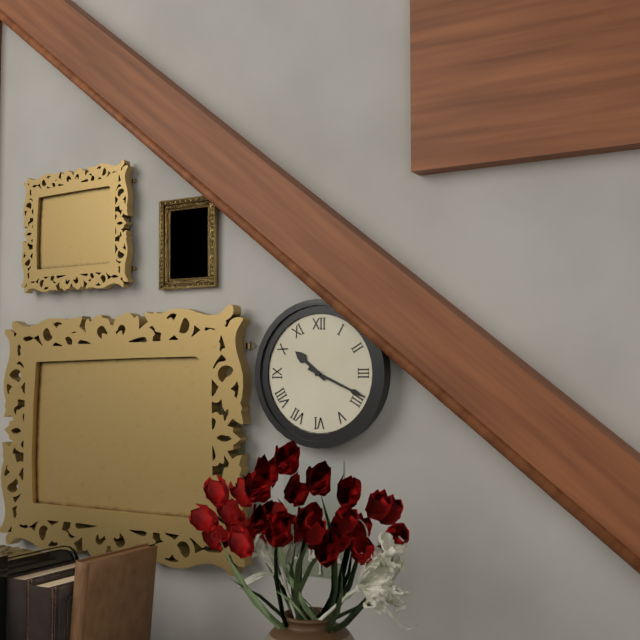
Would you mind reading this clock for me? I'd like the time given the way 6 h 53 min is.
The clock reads 10 h 19 min
